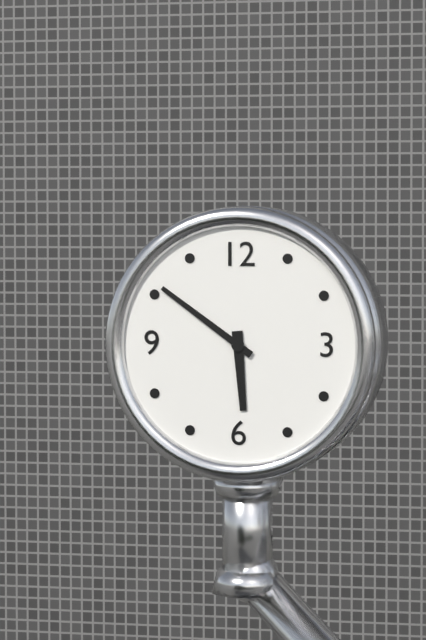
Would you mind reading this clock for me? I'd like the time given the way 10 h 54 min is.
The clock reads 5 h 51 min
